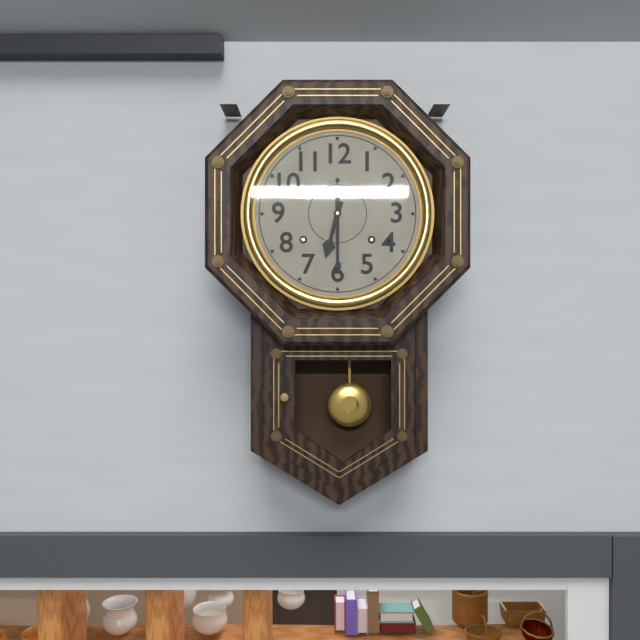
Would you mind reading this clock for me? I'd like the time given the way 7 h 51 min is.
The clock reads 6 h 30 min
